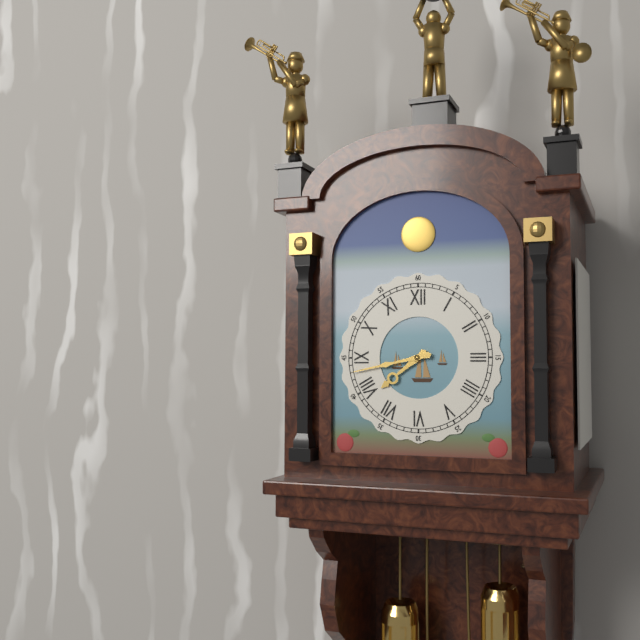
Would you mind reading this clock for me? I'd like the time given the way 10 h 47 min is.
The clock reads 7 h 43 min
